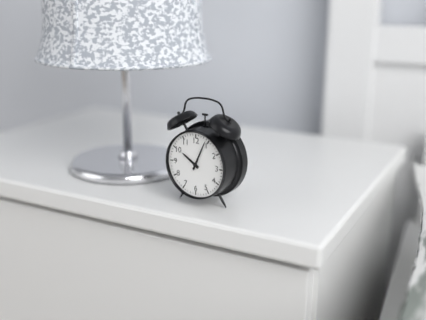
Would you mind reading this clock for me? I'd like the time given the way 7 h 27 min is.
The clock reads 10 h 04 min
